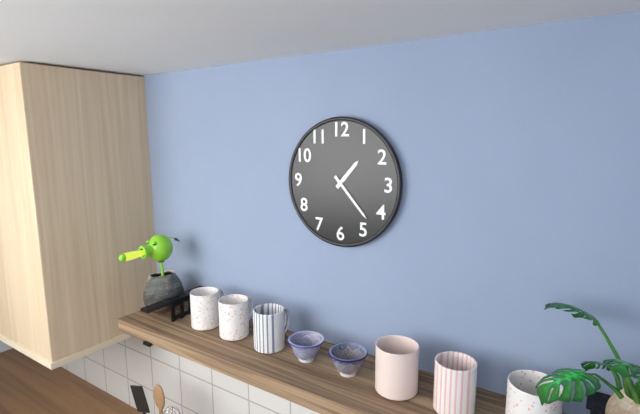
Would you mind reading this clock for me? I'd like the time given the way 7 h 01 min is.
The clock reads 1 h 23 min
